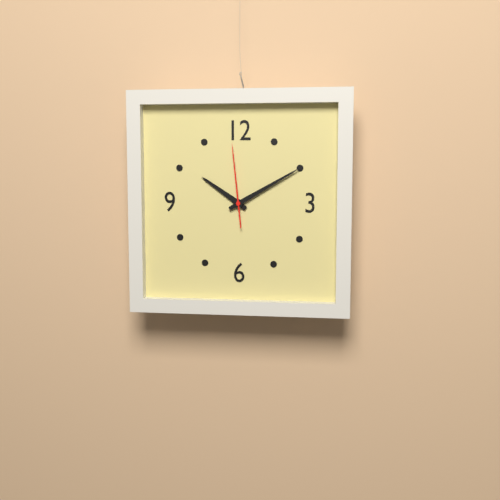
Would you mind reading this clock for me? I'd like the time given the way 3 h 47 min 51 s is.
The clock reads 10 h 10 min 59 s
